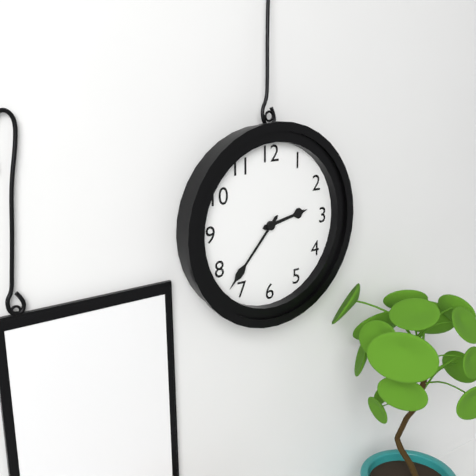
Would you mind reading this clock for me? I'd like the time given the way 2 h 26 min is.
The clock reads 2 h 37 min
